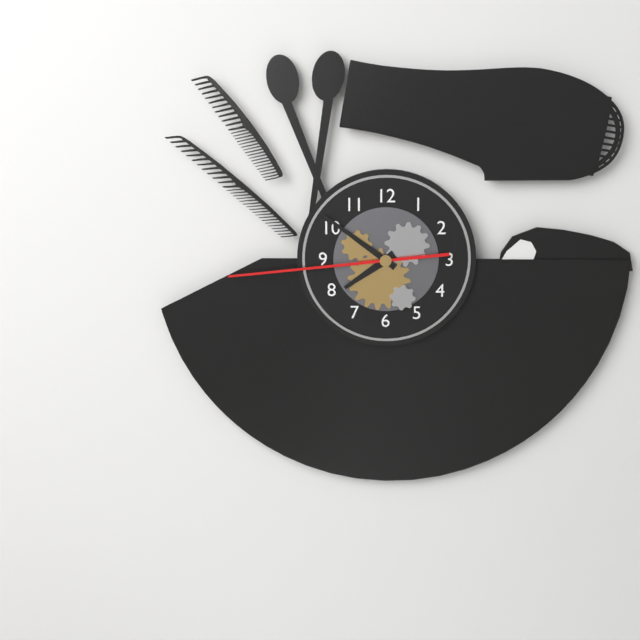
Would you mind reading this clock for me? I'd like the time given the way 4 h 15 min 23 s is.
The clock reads 7 h 51 min 44 s
